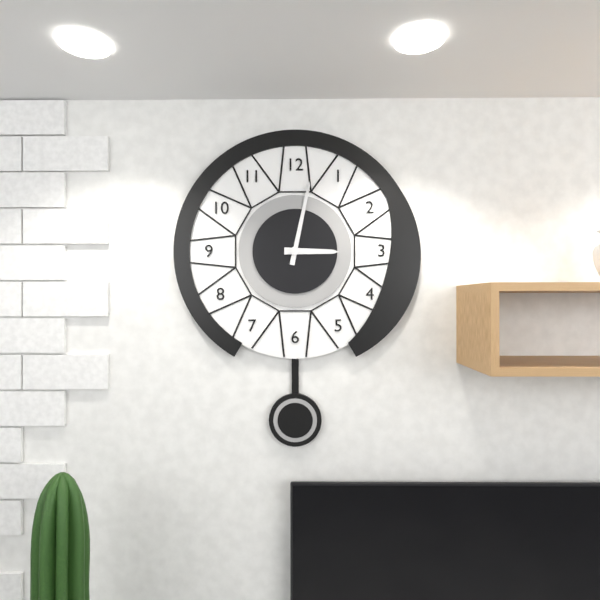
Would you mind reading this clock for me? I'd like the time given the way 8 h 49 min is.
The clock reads 3 h 02 min
